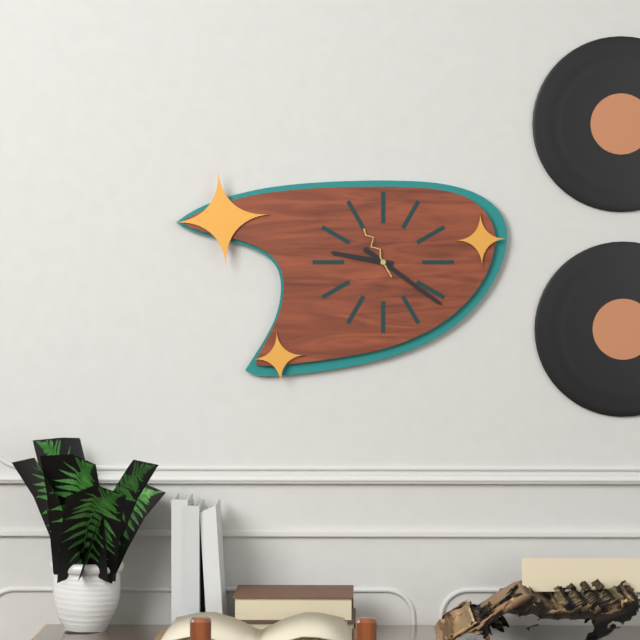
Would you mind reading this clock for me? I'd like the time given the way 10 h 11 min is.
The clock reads 9 h 21 min
